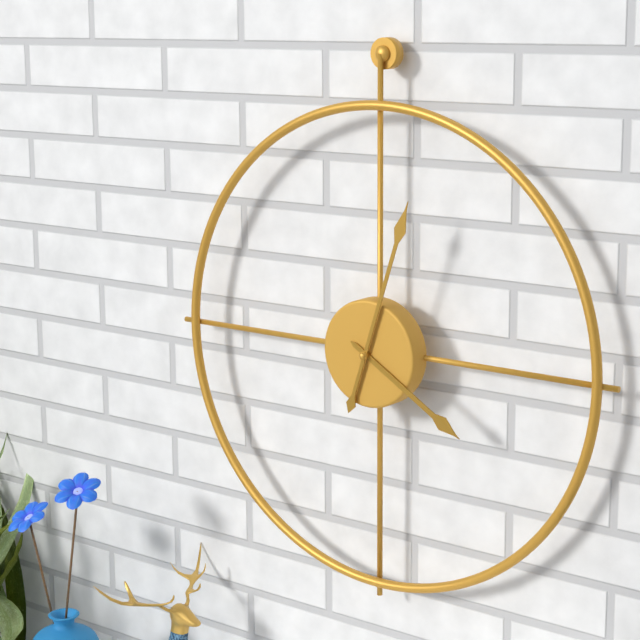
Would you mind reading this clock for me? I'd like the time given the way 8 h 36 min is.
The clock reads 4 h 03 min
